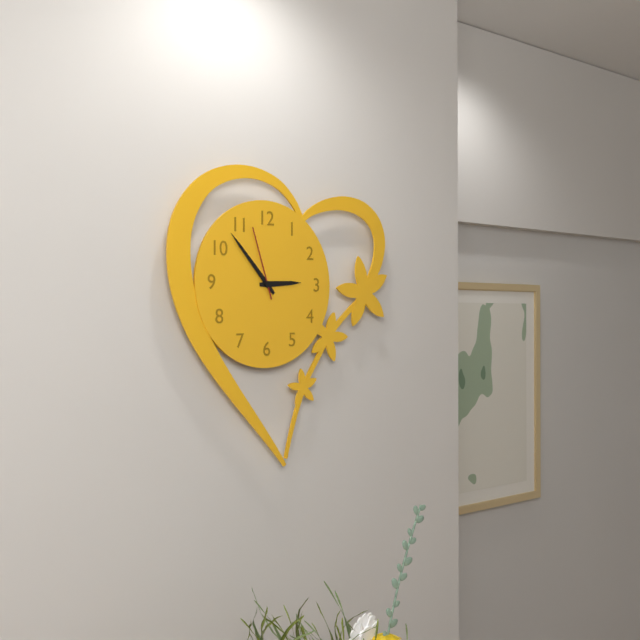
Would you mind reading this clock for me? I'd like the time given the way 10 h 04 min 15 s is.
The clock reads 2 h 53 min 57 s
